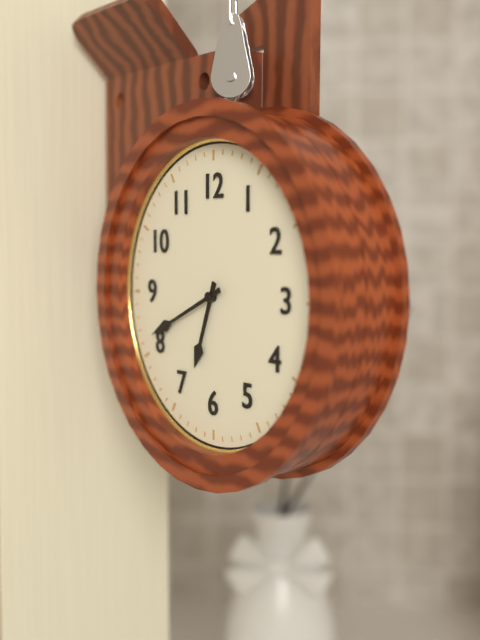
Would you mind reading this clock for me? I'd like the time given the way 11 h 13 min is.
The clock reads 6 h 41 min
